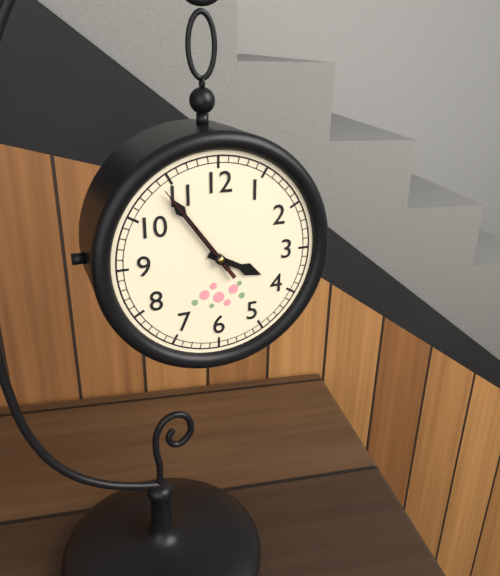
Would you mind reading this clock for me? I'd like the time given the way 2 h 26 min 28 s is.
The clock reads 3 h 54 min 54 s
